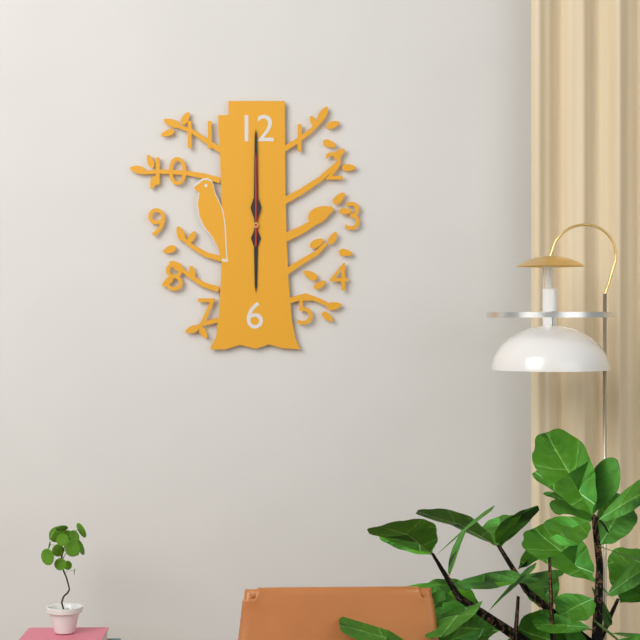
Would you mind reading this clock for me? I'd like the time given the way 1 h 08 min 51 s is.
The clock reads 6 h 00 min 00 s
